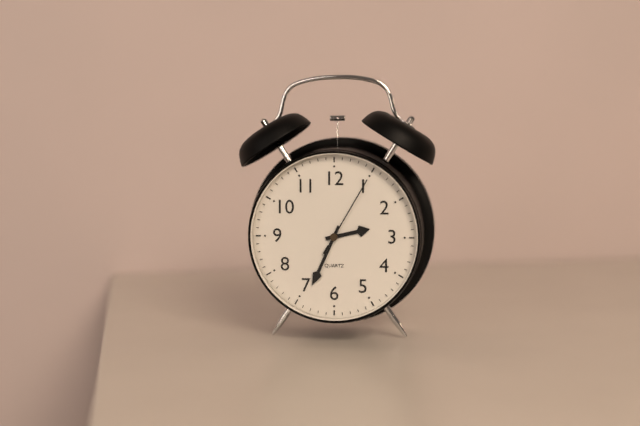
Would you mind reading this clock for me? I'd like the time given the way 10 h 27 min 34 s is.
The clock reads 2 h 34 min 05 s
